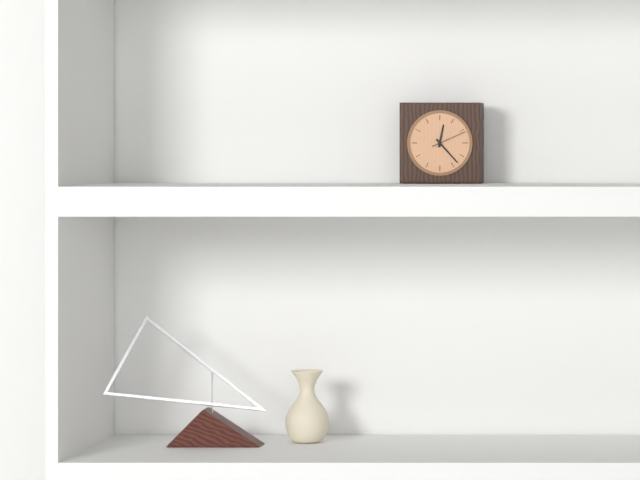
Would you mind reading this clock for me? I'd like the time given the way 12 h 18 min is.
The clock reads 12 h 23 min
